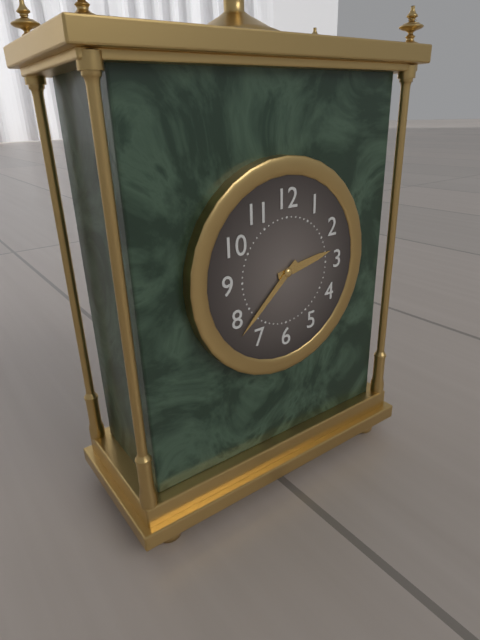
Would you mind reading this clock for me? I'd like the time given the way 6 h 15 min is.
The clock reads 2 h 38 min
